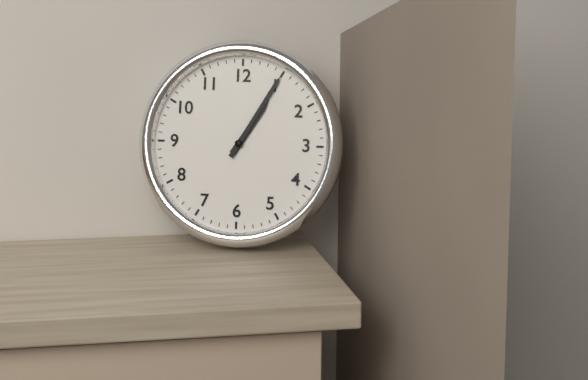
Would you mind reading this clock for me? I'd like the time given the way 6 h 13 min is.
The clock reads 1 h 05 min
